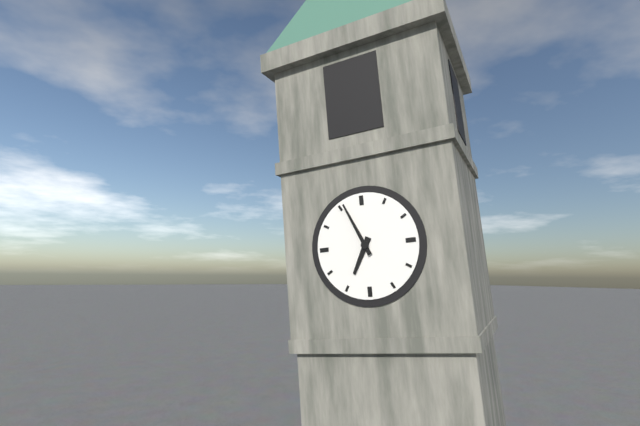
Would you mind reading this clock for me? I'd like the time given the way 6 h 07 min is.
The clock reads 6 h 56 min
